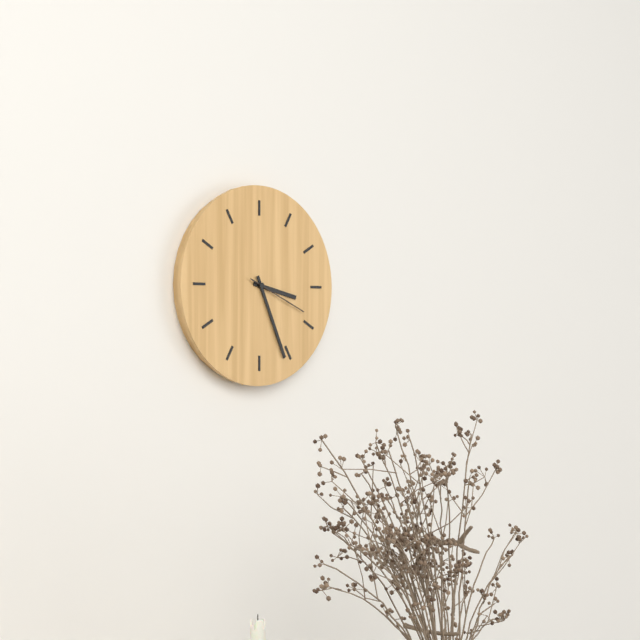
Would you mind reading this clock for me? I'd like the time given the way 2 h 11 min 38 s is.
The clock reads 3 h 26 min 19 s
